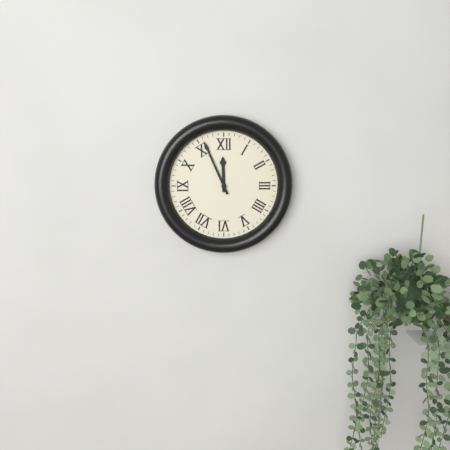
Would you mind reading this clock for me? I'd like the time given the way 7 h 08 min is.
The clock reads 11 h 56 min
